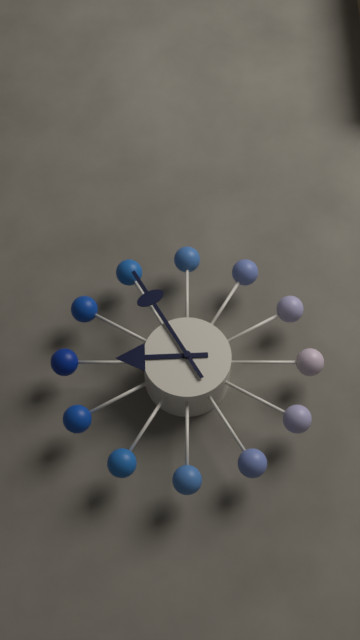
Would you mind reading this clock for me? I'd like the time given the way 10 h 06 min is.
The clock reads 8 h 55 min
